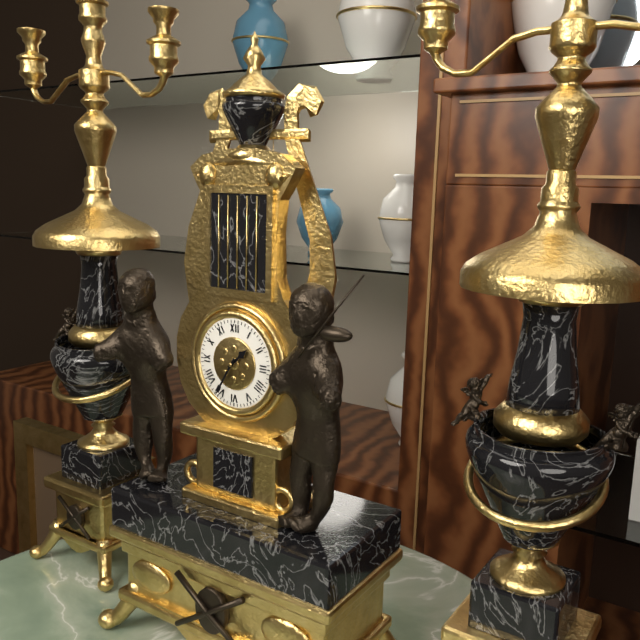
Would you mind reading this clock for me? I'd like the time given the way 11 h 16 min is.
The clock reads 1 h 35 min
